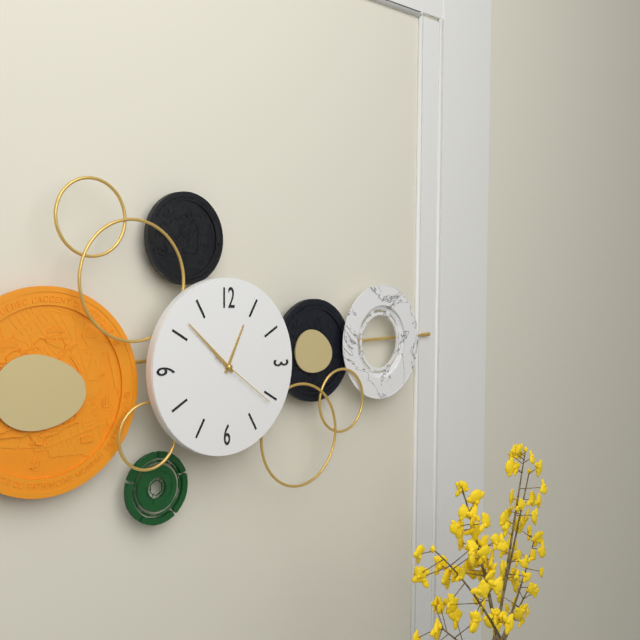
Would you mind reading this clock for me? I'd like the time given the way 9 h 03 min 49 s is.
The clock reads 12 h 52 min 21 s
